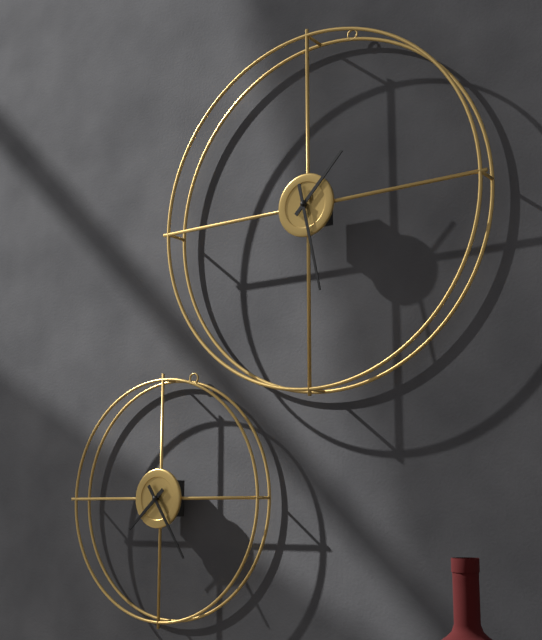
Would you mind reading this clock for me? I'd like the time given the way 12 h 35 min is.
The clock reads 1 h 28 min
